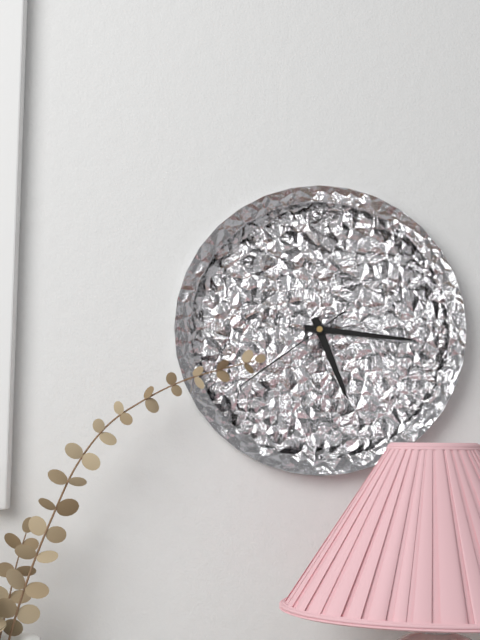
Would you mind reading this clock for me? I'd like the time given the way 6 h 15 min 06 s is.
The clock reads 5 h 16 min 39 s
